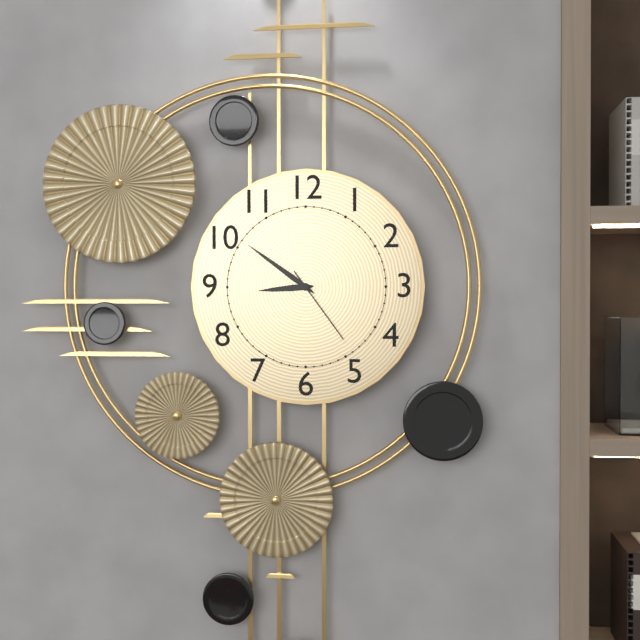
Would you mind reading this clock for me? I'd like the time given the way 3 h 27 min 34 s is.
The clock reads 8 h 51 min 24 s
